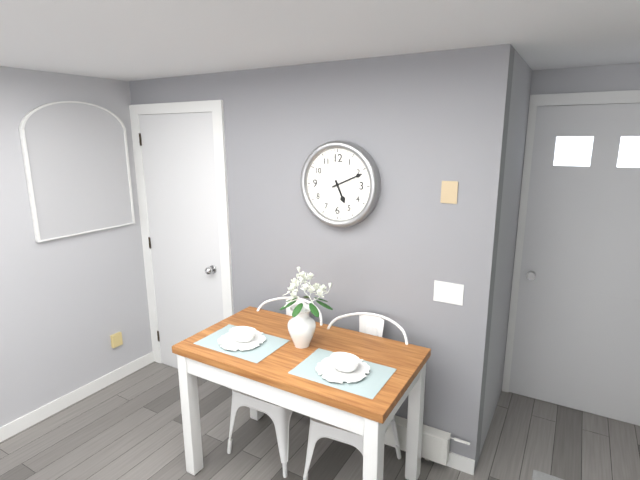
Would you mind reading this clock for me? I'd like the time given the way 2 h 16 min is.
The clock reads 5 h 11 min
